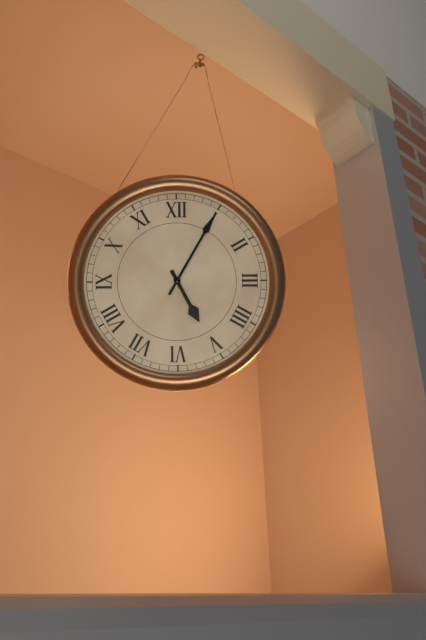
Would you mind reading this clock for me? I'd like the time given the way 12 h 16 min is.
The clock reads 5 h 05 min
